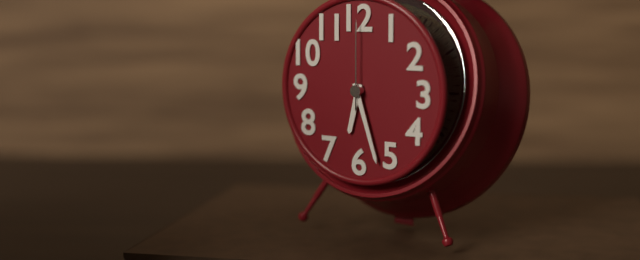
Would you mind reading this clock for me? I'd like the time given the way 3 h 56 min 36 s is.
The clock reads 6 h 27 min 00 s
